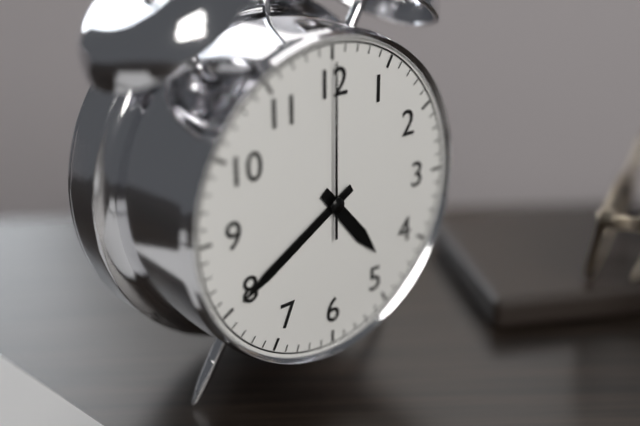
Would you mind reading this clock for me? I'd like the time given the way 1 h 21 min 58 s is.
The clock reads 4 h 40 min 00 s
